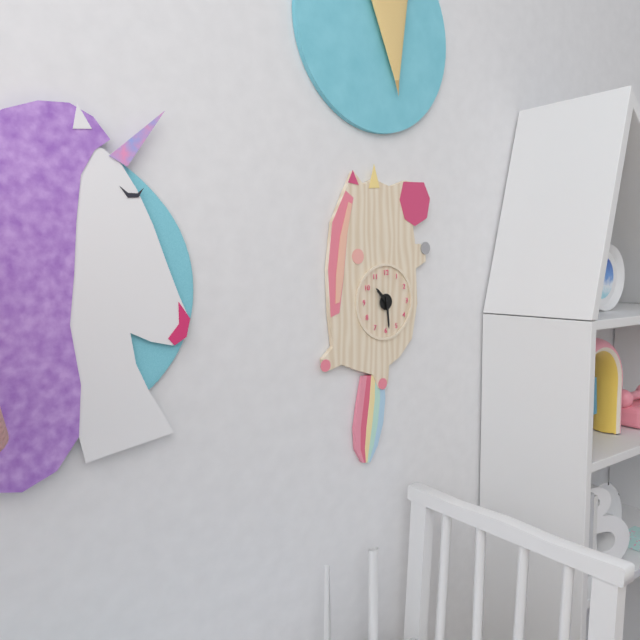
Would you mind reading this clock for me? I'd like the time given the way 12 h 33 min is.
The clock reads 10 h 29 min
